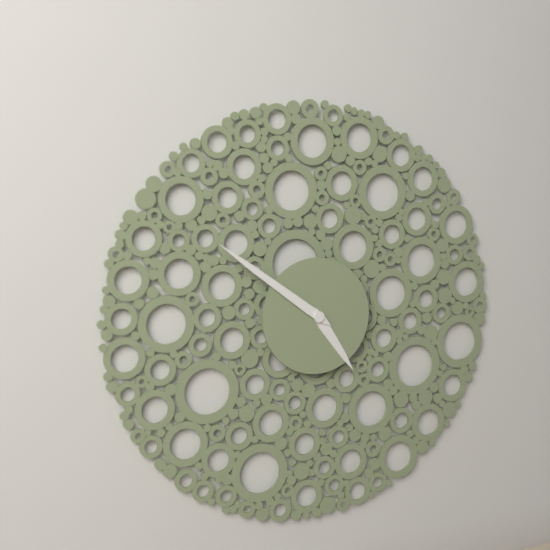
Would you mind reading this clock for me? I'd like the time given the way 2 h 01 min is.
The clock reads 4 h 51 min
